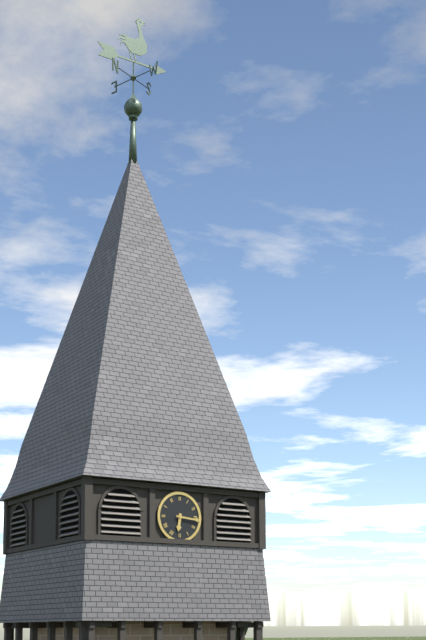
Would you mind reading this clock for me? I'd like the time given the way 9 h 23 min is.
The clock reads 6 h 16 min
